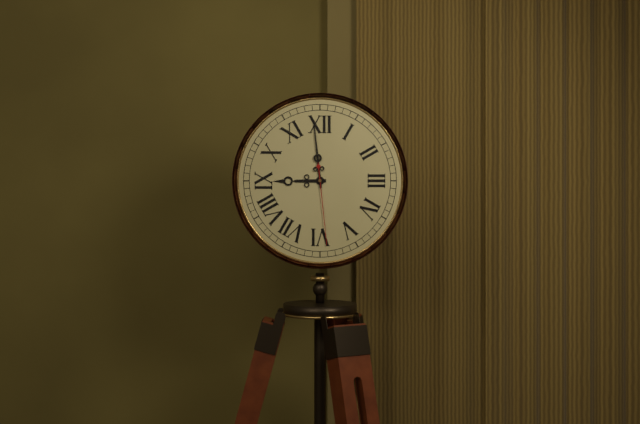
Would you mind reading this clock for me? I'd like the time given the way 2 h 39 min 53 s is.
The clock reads 8 h 59 min 29 s
